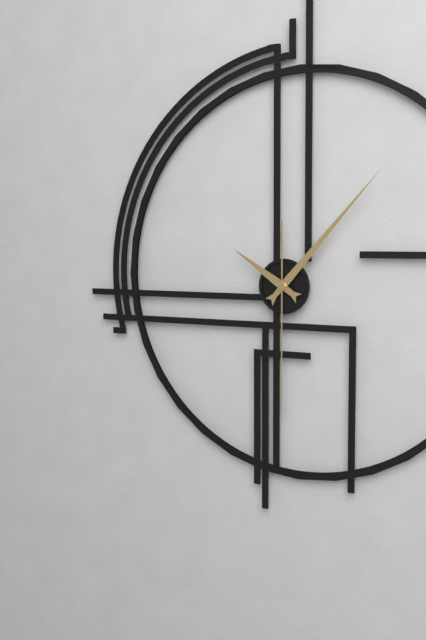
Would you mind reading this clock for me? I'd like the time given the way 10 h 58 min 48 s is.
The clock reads 10 h 07 min 30 s
